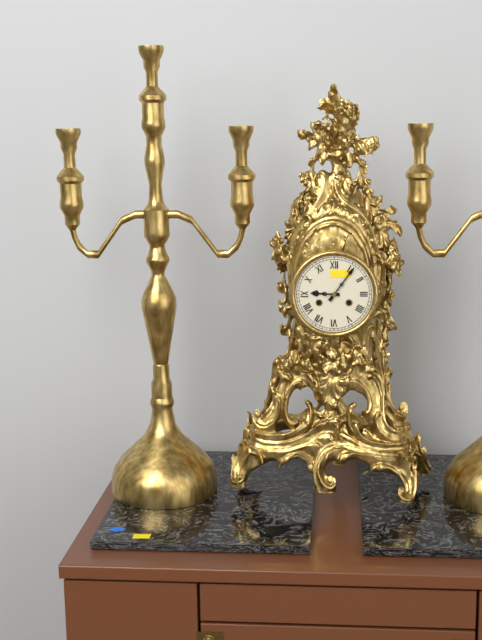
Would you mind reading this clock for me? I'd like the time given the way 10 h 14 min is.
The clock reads 9 h 06 min
